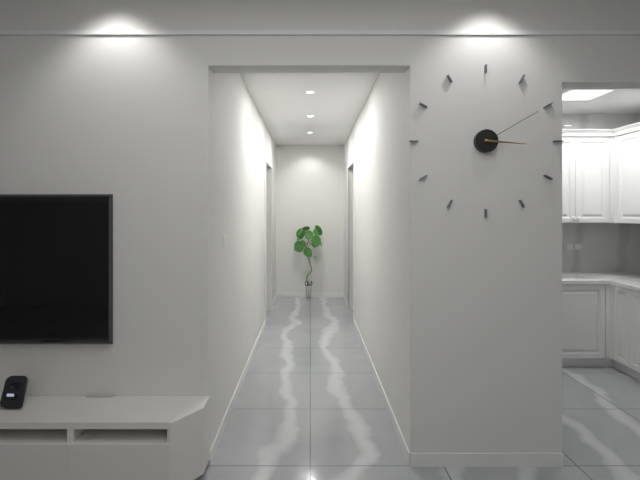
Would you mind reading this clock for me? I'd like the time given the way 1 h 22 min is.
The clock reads 3 h 10 min
